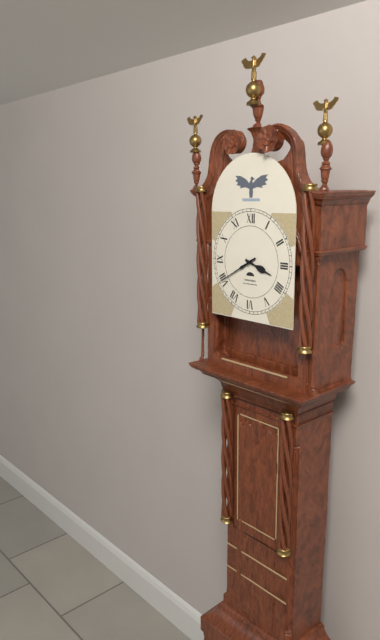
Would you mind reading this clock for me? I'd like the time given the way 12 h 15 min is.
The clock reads 3 h 40 min
